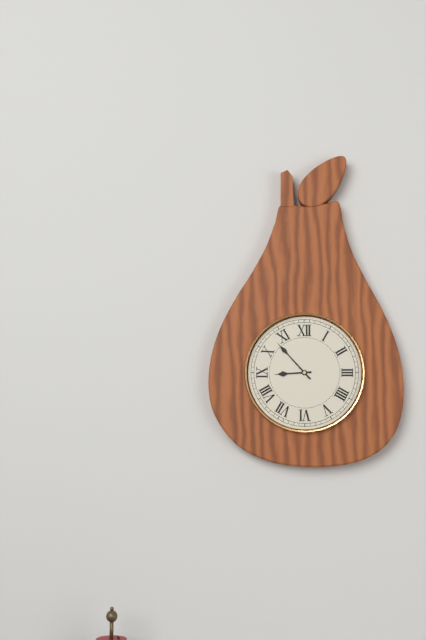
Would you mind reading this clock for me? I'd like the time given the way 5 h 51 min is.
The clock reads 8 h 53 min
